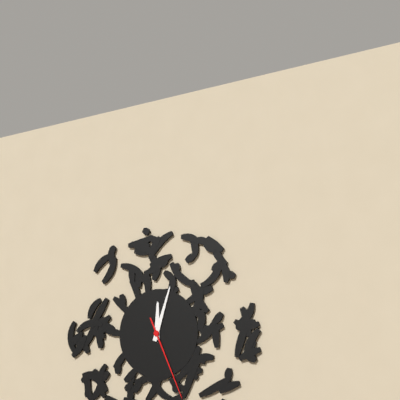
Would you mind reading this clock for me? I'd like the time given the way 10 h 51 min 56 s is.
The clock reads 12 h 03 min 26 s
